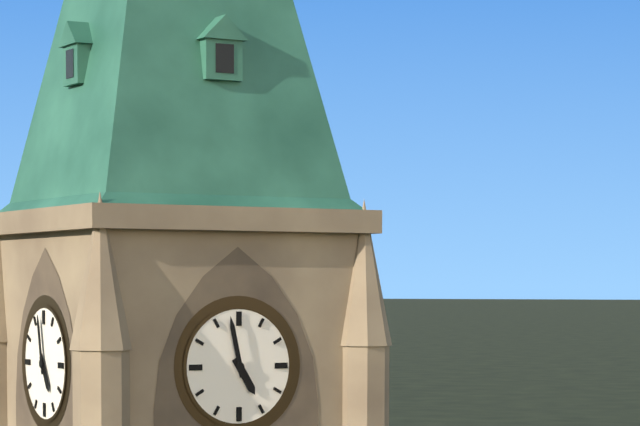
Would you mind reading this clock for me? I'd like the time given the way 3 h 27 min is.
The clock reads 4 h 58 min
